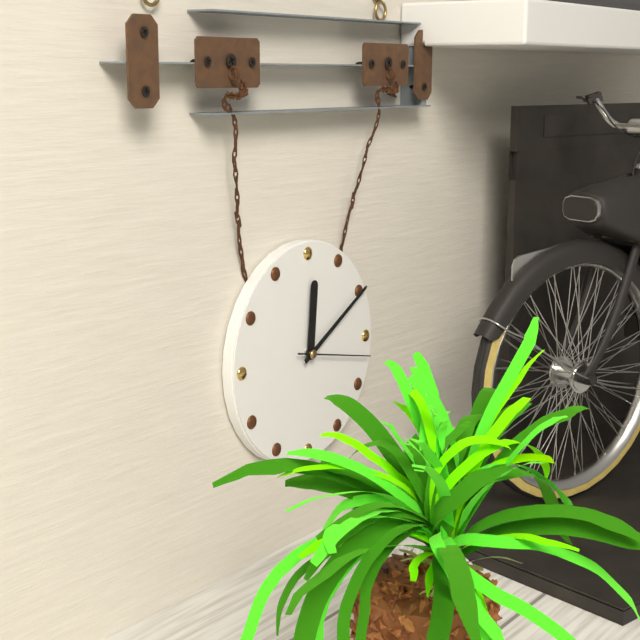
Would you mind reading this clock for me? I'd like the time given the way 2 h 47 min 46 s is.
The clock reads 12 h 10 min 17 s
